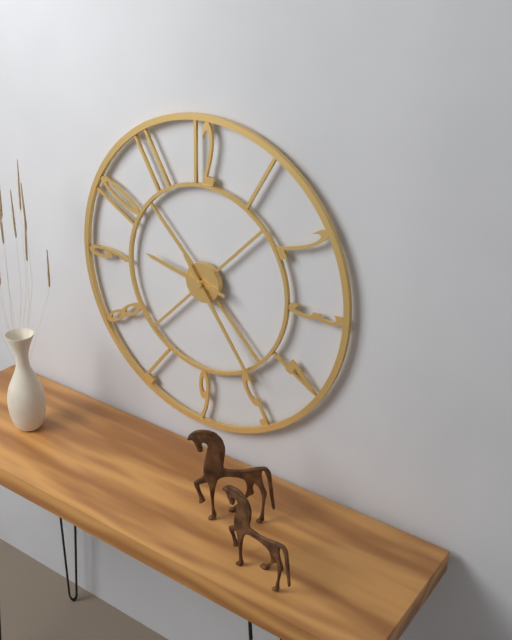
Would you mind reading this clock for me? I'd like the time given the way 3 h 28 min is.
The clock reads 9 h 24 min
